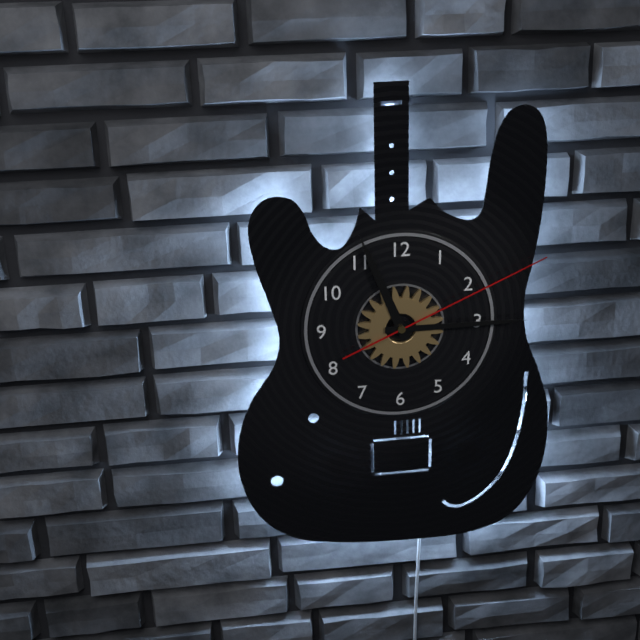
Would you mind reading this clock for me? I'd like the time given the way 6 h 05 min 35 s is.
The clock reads 11 h 15 min 11 s
